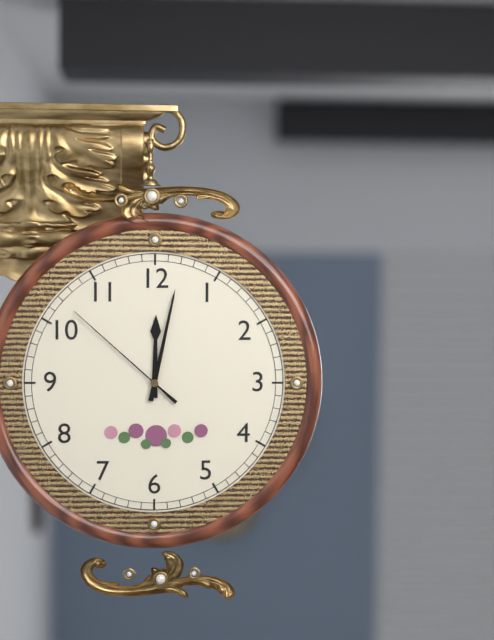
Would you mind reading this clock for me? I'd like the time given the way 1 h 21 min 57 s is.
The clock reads 12 h 02 min 52 s
